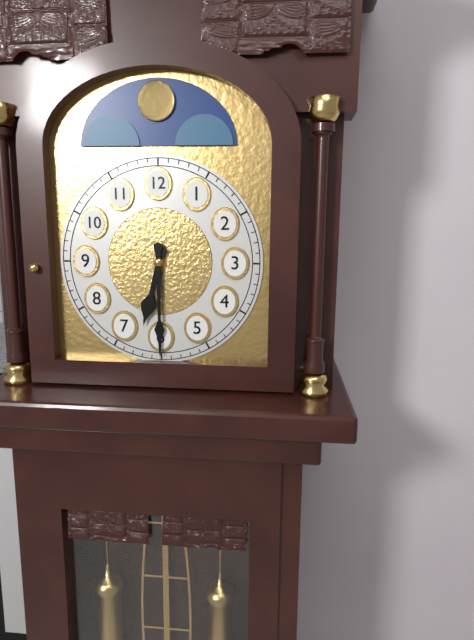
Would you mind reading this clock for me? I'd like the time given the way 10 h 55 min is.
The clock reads 6 h 30 min
